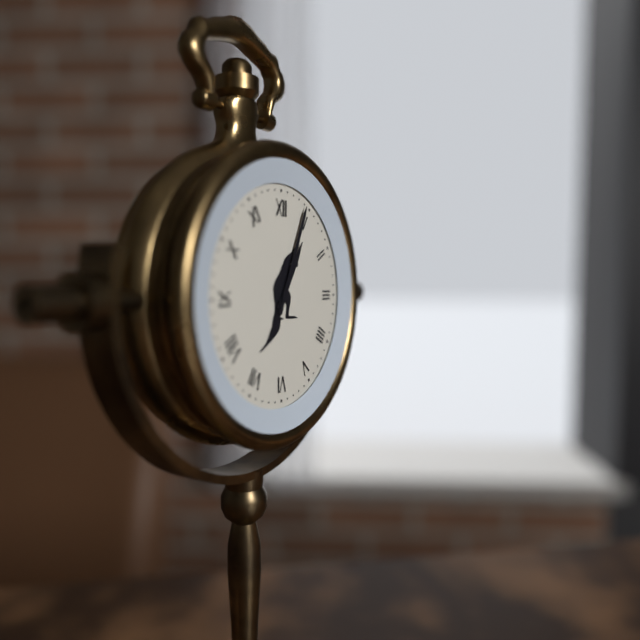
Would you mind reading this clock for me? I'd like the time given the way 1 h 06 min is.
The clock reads 1 h 04 min
